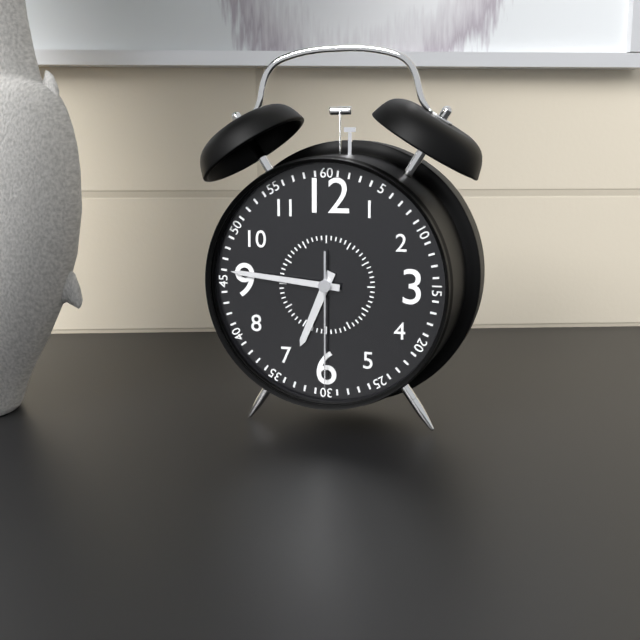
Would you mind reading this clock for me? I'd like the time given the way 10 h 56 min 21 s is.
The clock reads 6 h 46 min 30 s
